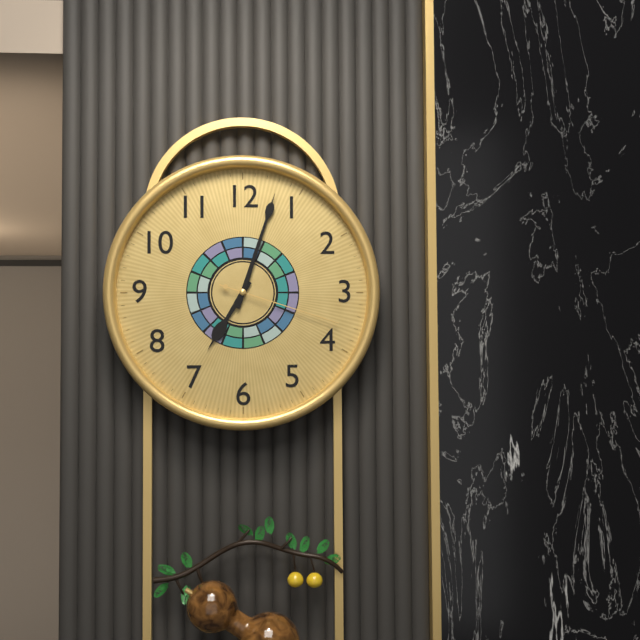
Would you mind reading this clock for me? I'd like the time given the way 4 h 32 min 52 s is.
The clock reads 7 h 03 min 18 s
